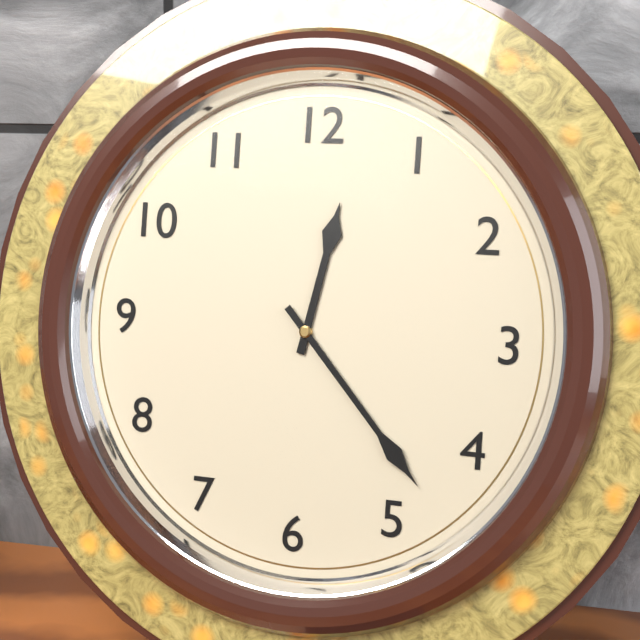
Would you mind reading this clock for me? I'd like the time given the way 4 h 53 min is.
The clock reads 12 h 23 min
